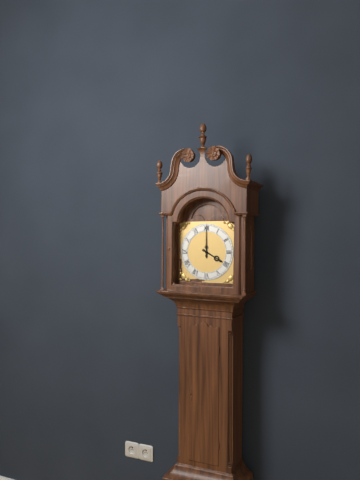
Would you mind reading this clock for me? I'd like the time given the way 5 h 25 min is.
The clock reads 4 h 00 min
